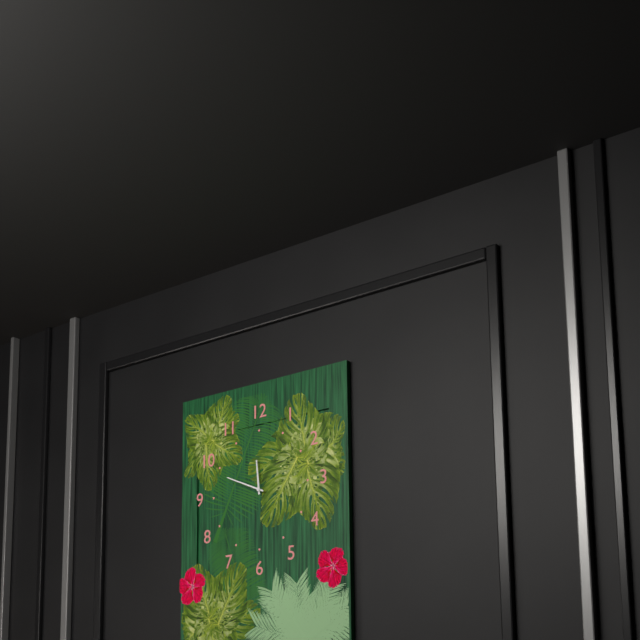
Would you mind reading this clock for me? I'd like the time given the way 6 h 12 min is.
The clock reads 11 h 49 min
